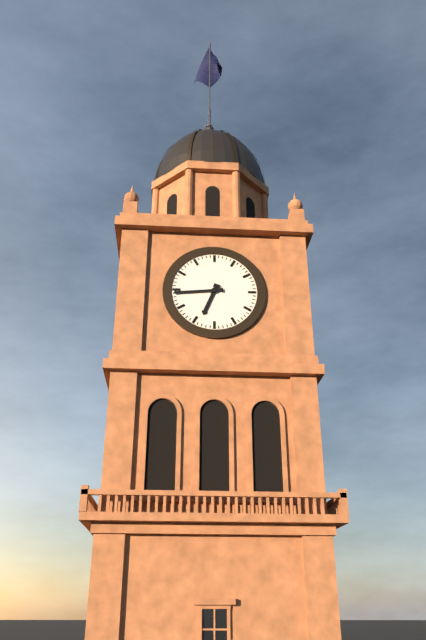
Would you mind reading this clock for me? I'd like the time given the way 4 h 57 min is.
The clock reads 6 h 44 min
